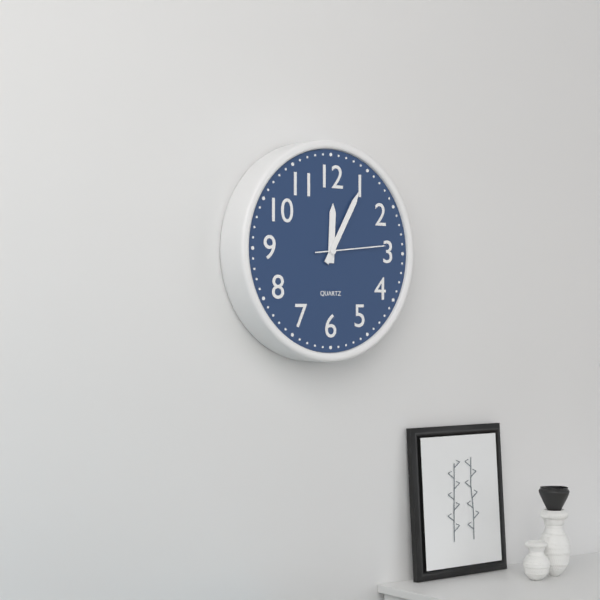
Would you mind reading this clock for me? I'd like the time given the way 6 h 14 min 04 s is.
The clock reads 12 h 05 min 14 s
